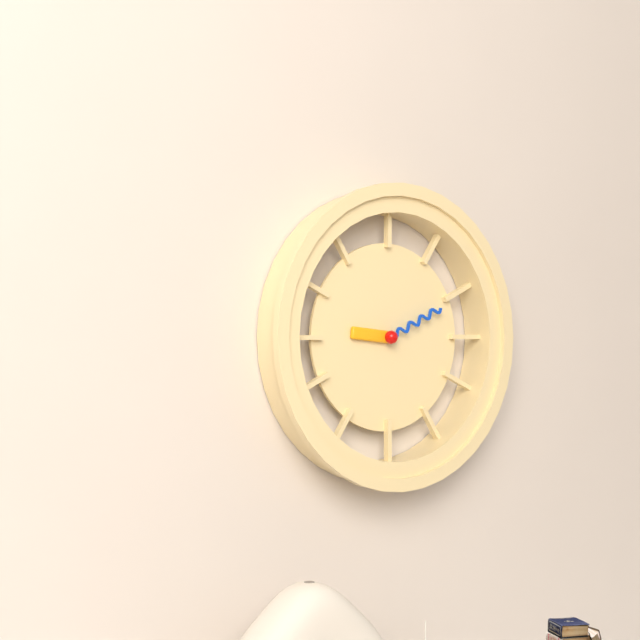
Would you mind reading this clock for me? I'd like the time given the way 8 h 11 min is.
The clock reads 9 h 11 min
